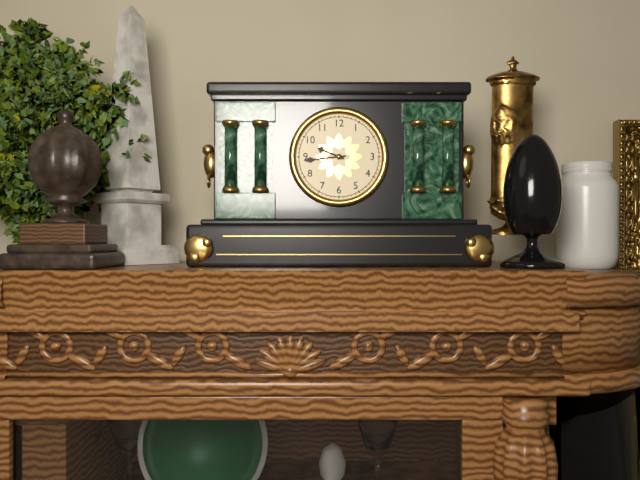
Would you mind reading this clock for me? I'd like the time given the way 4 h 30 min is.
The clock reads 9 h 44 min
